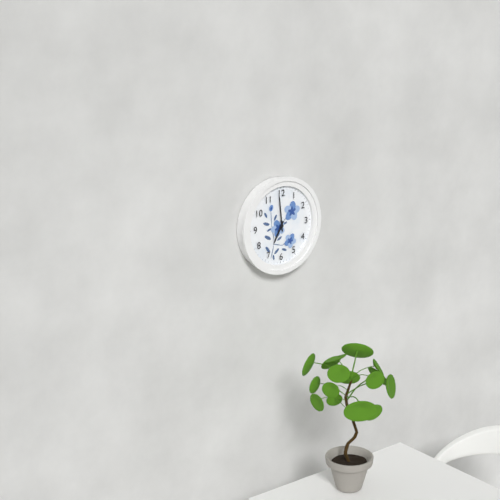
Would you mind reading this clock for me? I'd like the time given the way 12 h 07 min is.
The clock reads 6 h 59 min
